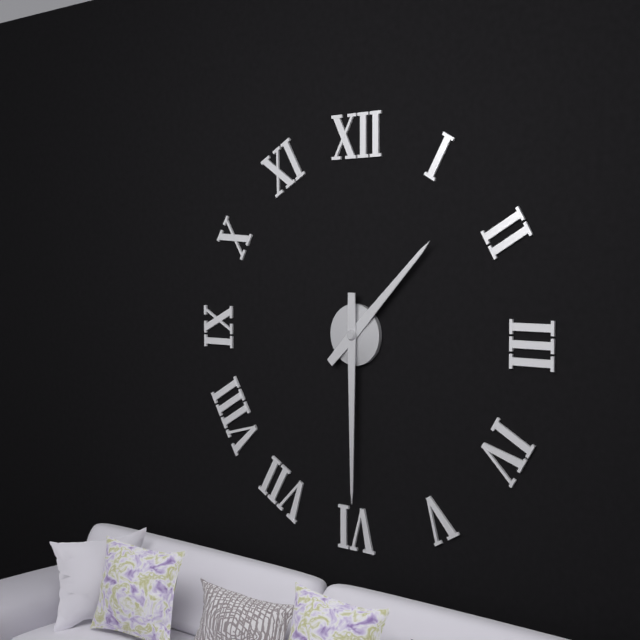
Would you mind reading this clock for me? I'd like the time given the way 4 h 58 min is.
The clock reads 1 h 30 min
